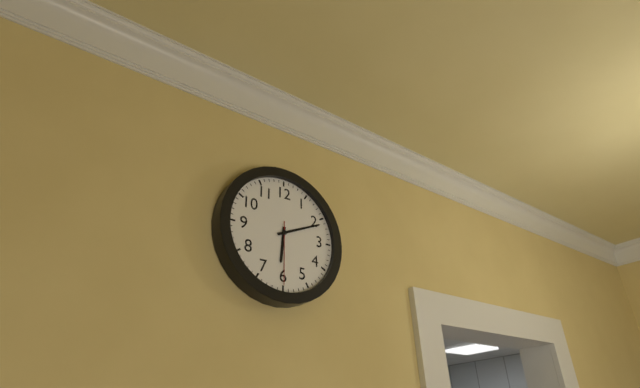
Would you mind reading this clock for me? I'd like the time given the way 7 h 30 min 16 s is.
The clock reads 6 h 11 min 30 s
